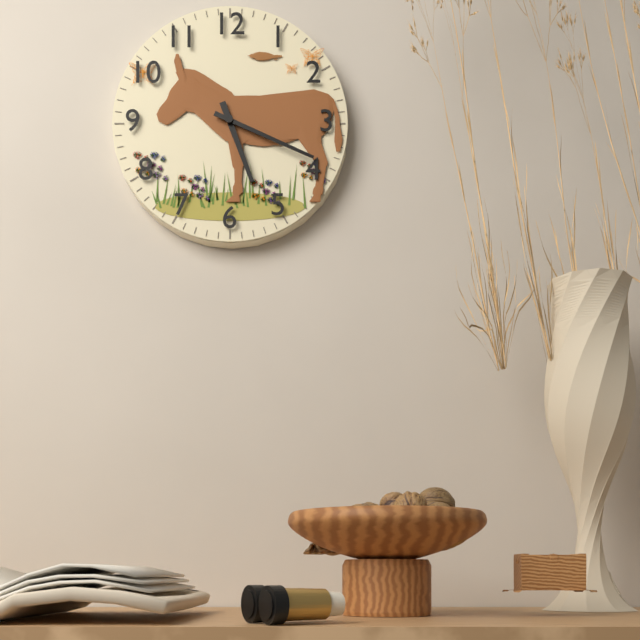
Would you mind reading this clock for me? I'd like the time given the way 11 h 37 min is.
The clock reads 5 h 19 min
